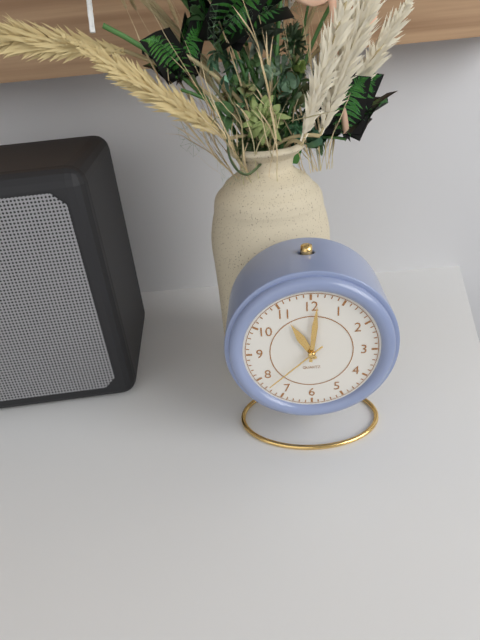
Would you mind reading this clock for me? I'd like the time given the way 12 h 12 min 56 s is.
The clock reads 11 h 01 min 38 s
